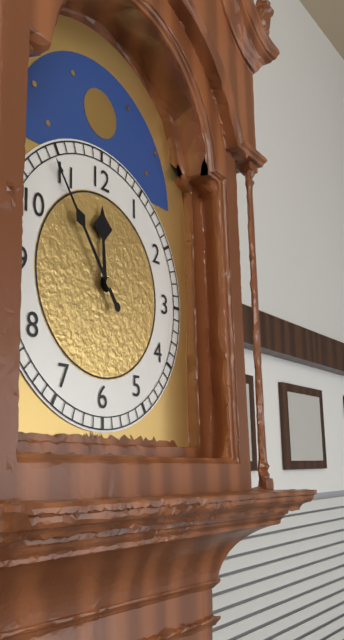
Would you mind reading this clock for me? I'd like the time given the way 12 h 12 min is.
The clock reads 11 h 54 min
